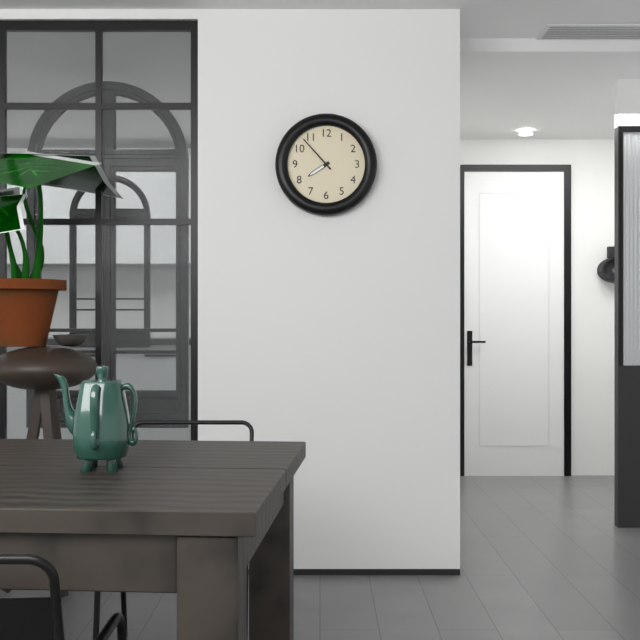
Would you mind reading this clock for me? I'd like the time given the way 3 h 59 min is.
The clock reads 7 h 53 min
